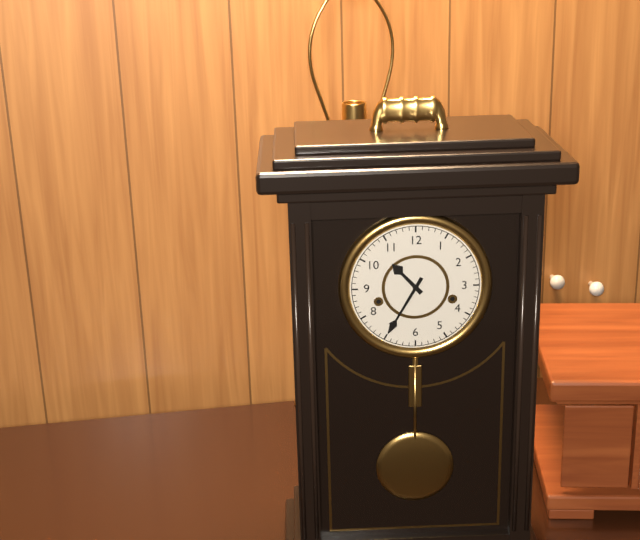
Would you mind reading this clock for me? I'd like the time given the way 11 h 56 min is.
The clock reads 10 h 35 min
